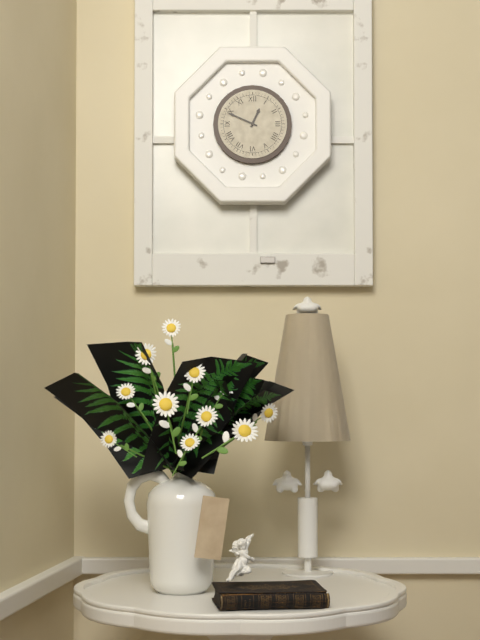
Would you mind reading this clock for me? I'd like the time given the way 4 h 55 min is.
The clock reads 12 h 49 min
